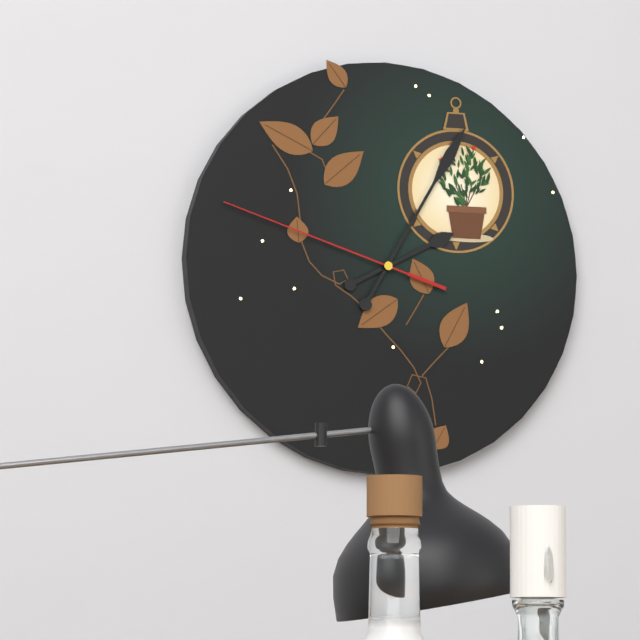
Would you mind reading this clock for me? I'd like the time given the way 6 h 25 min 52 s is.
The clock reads 2 h 05 min 48 s
